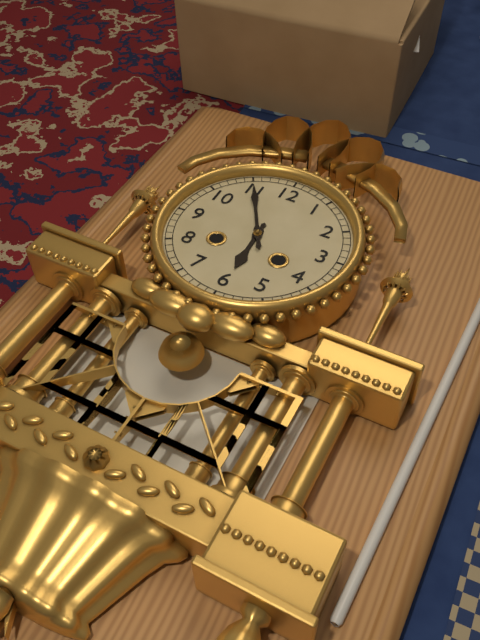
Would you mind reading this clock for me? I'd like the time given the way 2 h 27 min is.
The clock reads 5 h 55 min
